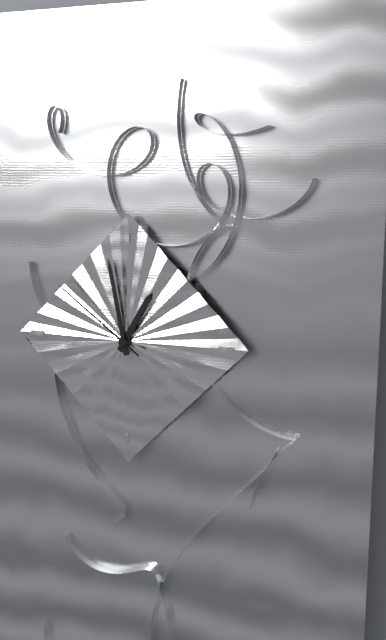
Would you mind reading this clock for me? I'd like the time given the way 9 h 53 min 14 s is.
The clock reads 12 h 58 min 51 s
